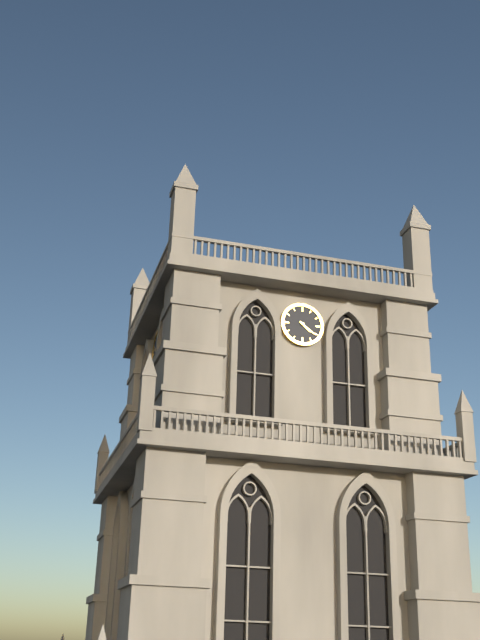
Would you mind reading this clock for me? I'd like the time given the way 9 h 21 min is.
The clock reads 4 h 21 min
